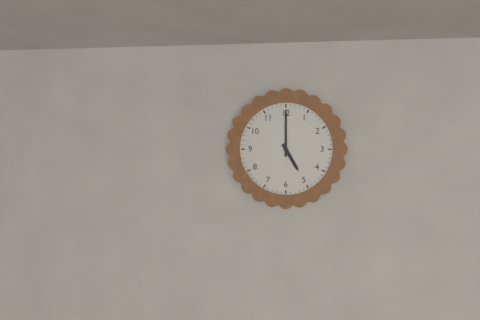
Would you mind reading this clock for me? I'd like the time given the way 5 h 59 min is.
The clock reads 5 h 00 min
